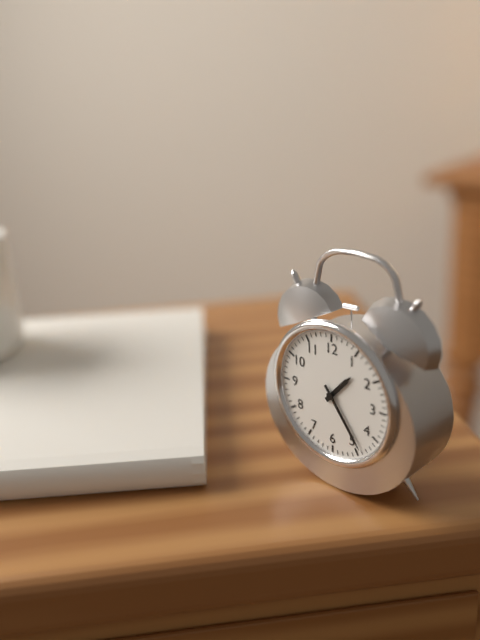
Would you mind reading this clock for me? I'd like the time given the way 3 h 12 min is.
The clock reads 1 h 24 min
